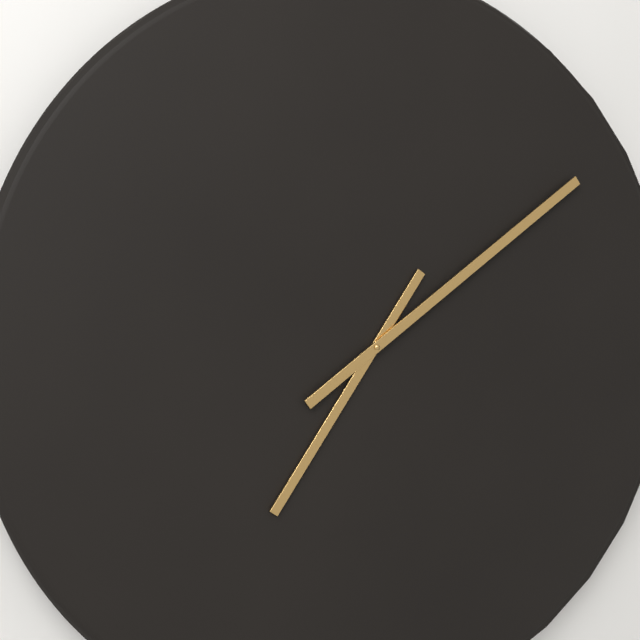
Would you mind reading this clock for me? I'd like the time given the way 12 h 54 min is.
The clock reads 7 h 09 min
